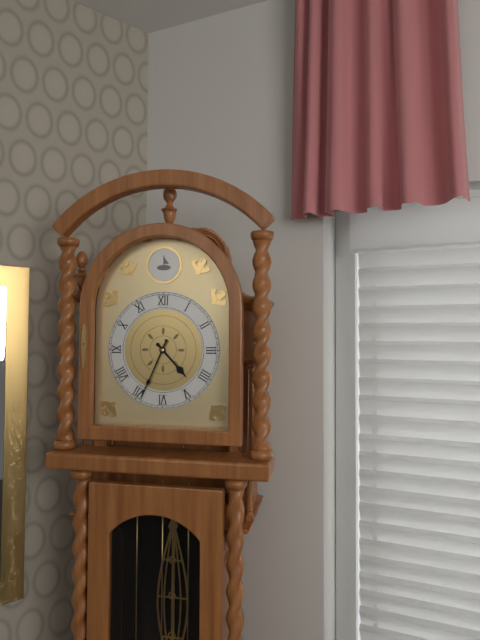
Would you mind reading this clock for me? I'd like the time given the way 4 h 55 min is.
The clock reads 4 h 34 min
